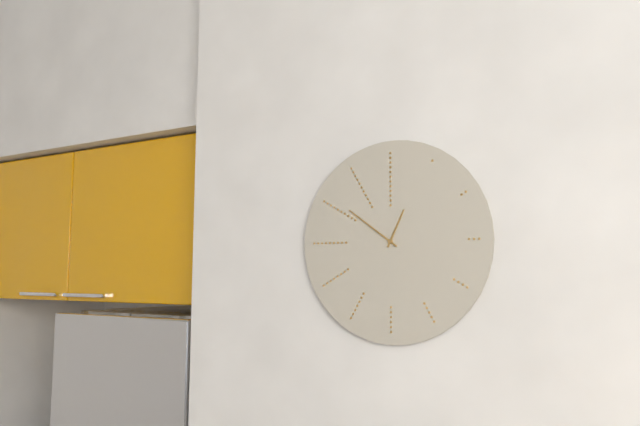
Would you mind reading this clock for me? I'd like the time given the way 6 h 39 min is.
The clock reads 12 h 51 min
